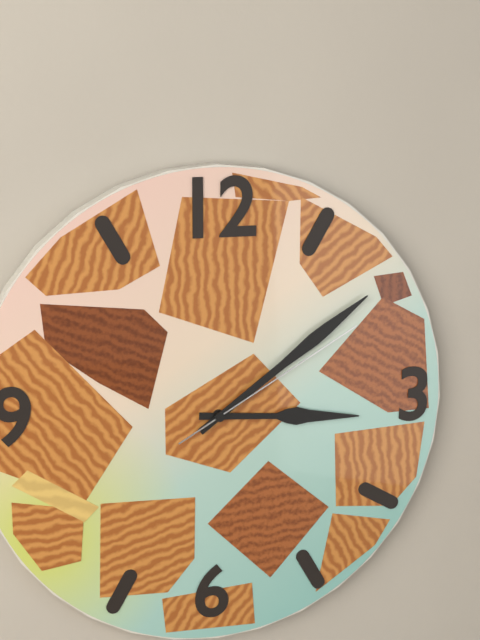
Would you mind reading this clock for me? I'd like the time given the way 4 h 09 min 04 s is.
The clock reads 3 h 09 min 10 s
